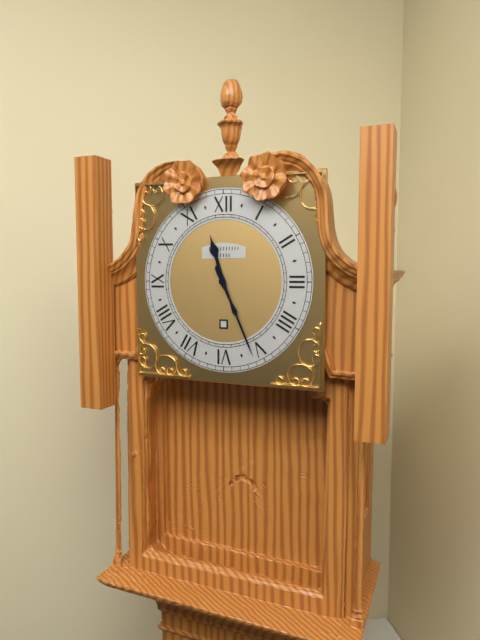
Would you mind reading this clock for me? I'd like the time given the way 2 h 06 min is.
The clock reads 11 h 26 min
